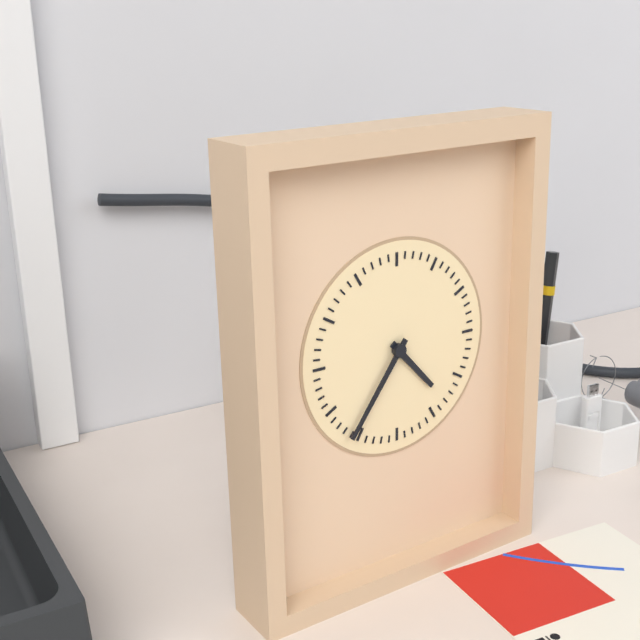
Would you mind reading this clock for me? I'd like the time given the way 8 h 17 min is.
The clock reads 4 h 36 min
